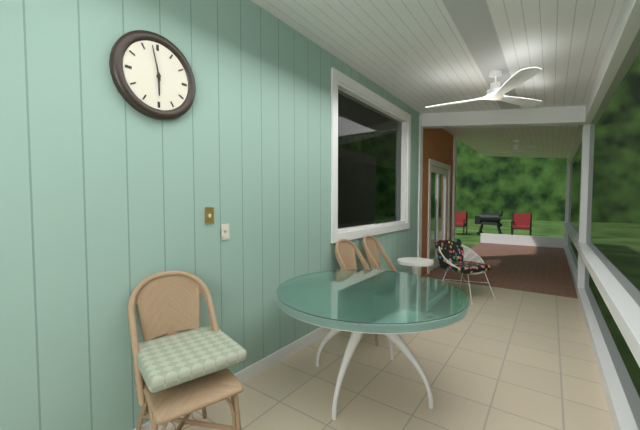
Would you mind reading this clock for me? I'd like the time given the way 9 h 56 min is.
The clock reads 5 h 58 min
